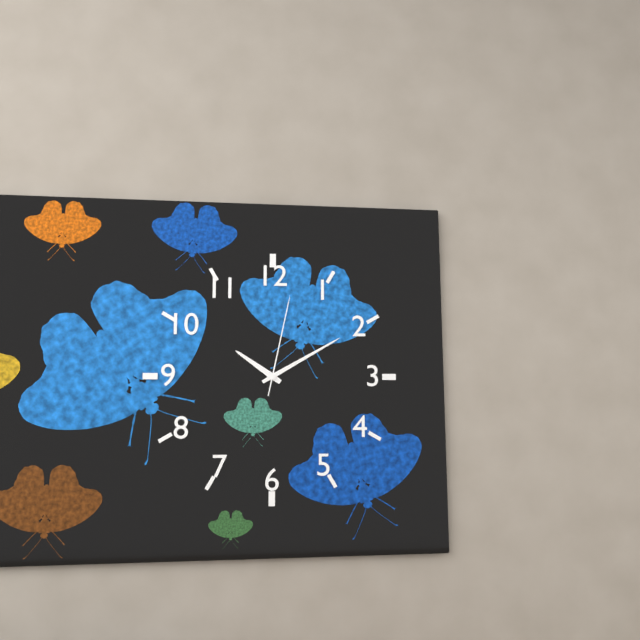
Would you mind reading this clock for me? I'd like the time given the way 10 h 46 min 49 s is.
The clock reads 10 h 10 min 02 s
